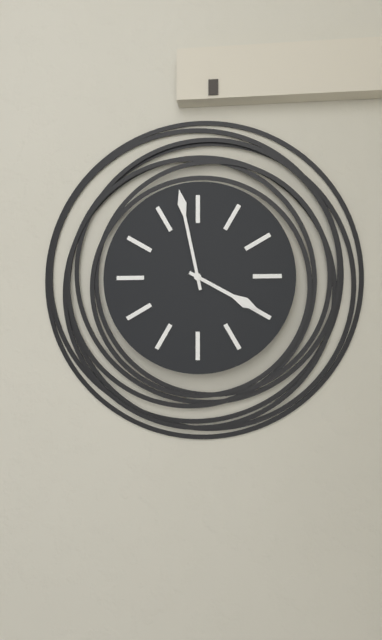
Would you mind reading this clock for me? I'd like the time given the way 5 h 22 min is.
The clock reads 3 h 58 min
